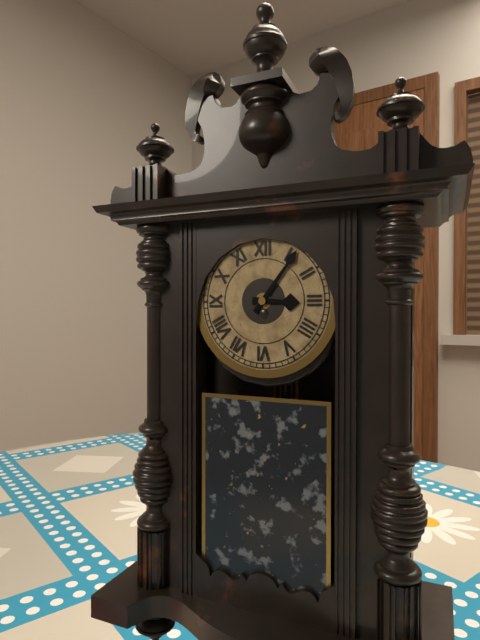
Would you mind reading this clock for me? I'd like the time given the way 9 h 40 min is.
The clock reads 3 h 06 min
